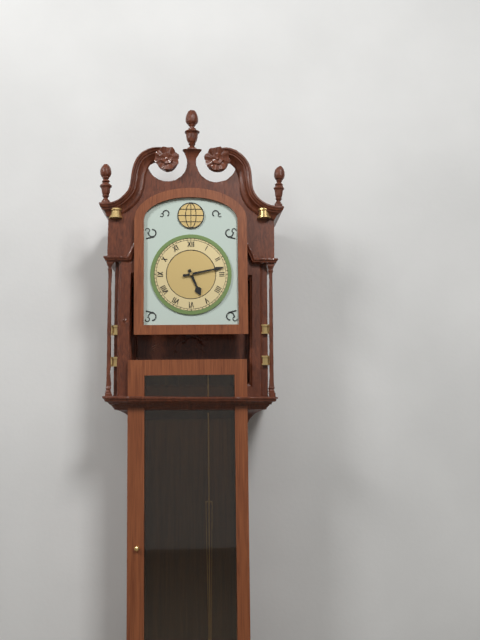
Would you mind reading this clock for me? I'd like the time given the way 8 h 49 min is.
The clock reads 5 h 13 min
